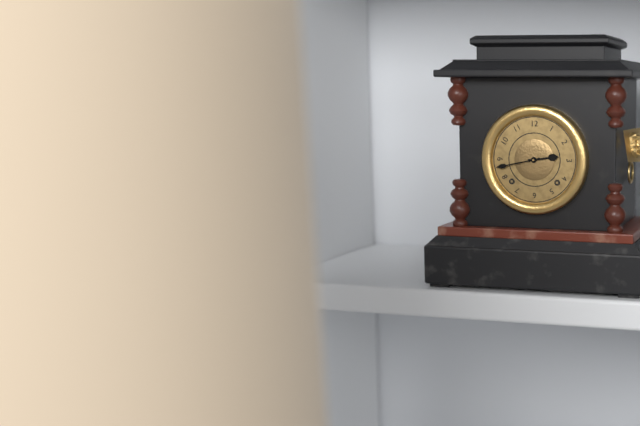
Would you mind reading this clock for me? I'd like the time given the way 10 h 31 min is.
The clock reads 2 h 43 min
